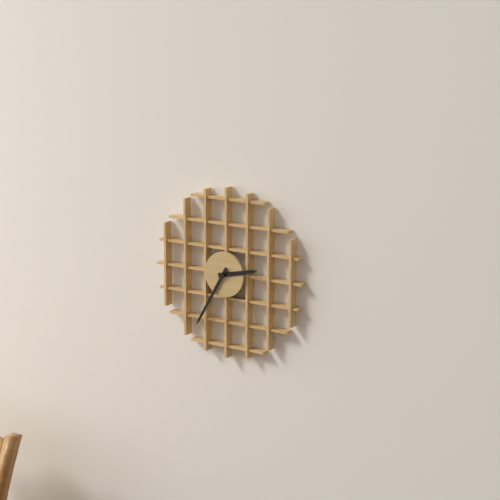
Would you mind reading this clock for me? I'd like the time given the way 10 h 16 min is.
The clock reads 2 h 35 min
